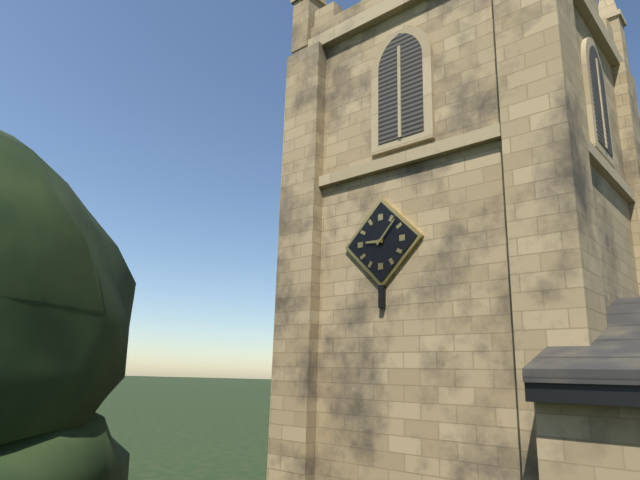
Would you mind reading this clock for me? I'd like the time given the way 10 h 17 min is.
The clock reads 9 h 07 min
